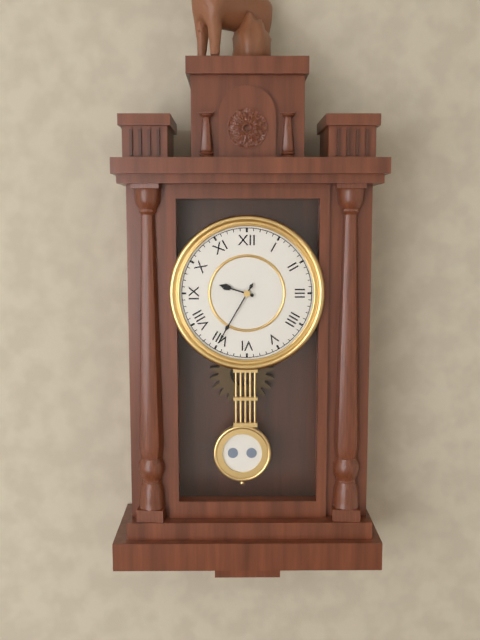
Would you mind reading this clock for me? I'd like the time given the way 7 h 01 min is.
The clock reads 9 h 35 min
